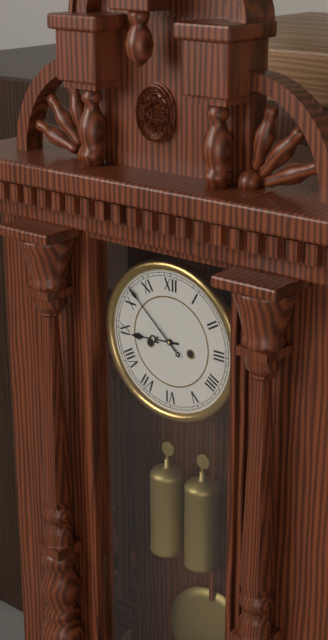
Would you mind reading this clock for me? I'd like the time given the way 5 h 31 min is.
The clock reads 8 h 52 min
